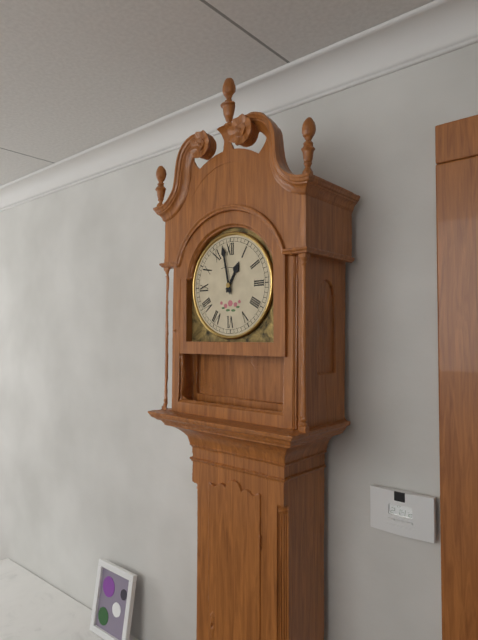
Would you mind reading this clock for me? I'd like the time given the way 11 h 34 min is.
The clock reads 12 h 58 min
